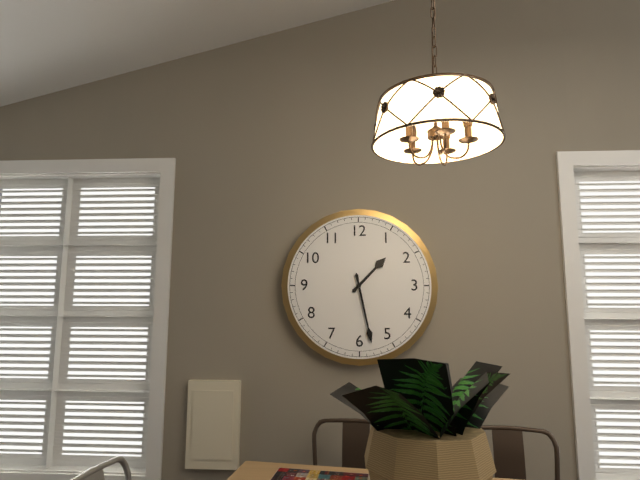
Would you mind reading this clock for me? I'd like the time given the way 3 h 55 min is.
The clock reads 1 h 28 min
